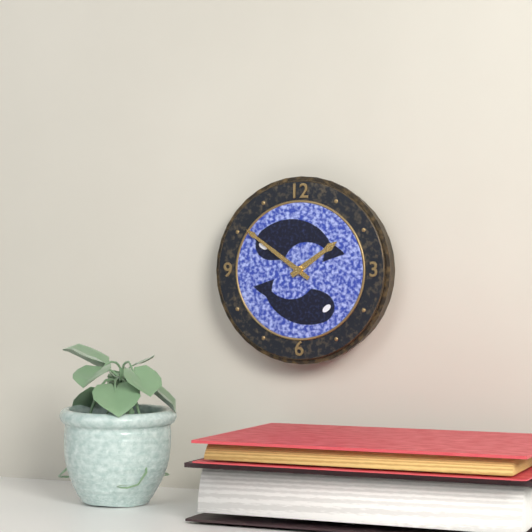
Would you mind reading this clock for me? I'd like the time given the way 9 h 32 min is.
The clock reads 1 h 51 min
